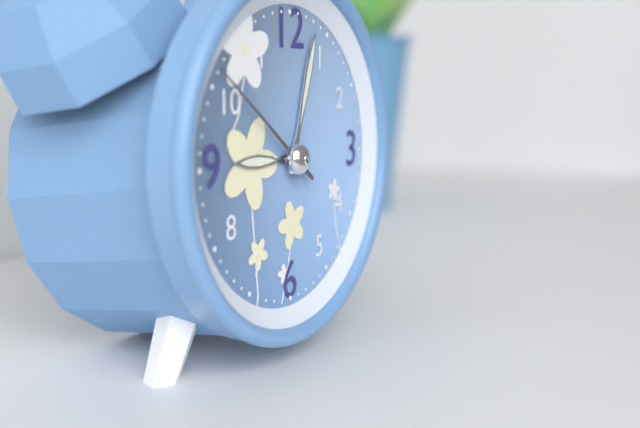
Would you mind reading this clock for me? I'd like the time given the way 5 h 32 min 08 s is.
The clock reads 9 h 03 min 51 s
